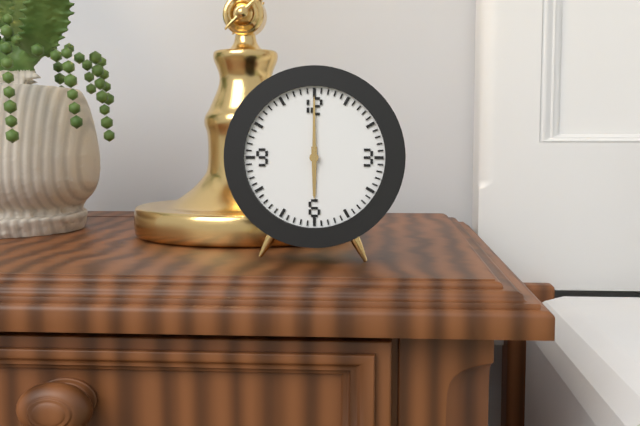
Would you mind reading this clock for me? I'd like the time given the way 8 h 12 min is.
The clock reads 6 h 00 min
